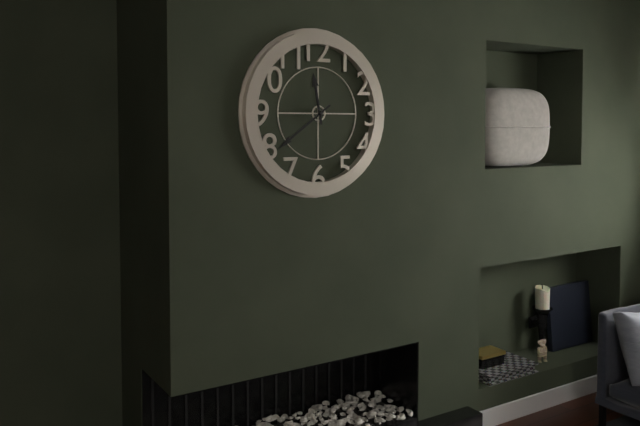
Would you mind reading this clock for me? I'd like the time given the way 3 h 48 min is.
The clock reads 11 h 39 min
